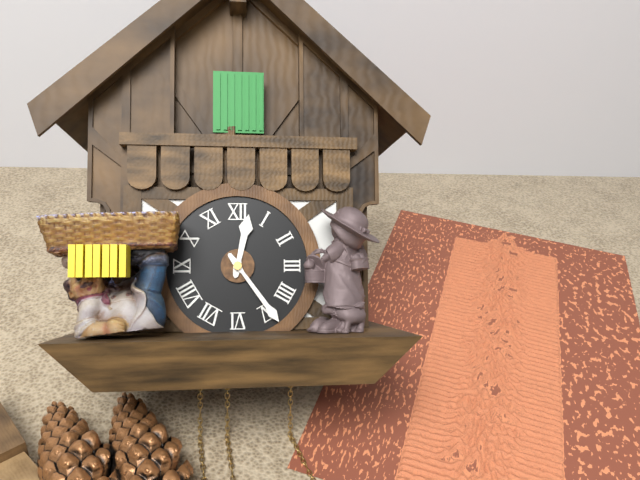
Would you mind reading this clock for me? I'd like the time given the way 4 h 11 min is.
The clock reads 12 h 24 min
